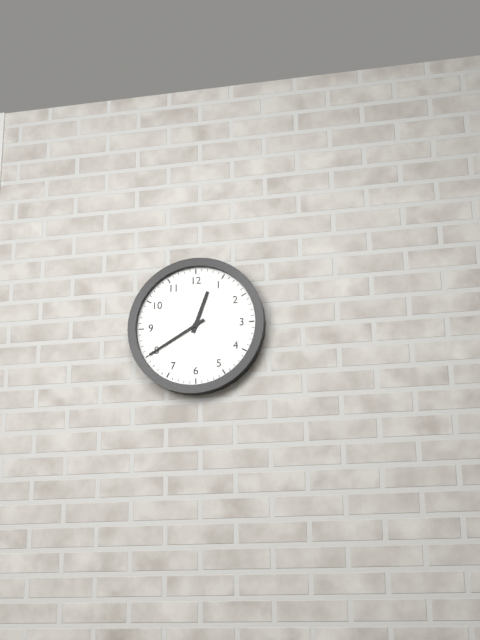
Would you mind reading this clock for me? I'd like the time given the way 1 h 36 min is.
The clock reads 12 h 40 min
